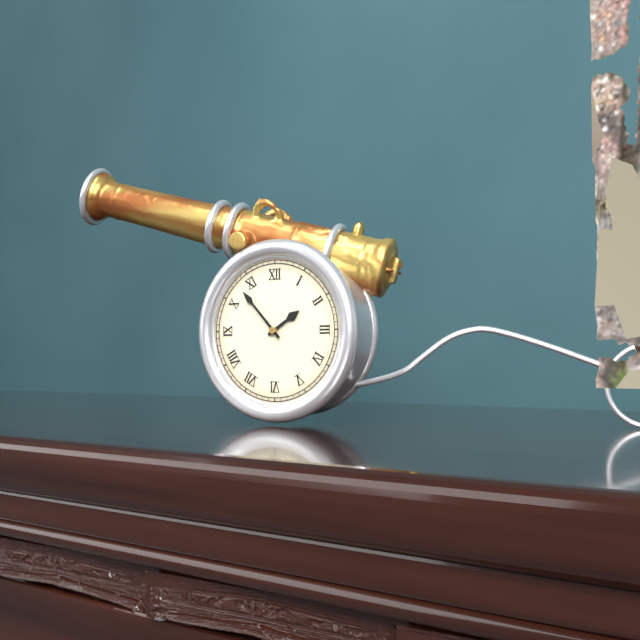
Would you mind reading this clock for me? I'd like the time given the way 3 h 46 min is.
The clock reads 1 h 53 min
